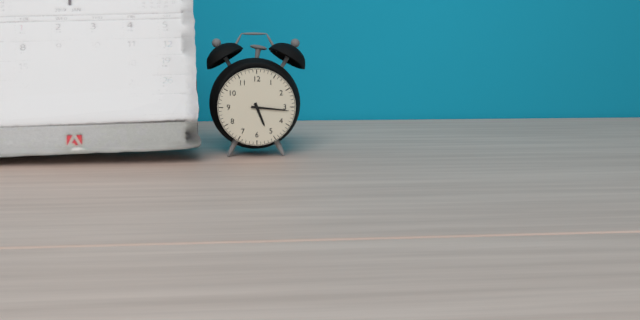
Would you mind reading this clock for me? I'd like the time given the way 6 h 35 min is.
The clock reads 5 h 16 min
